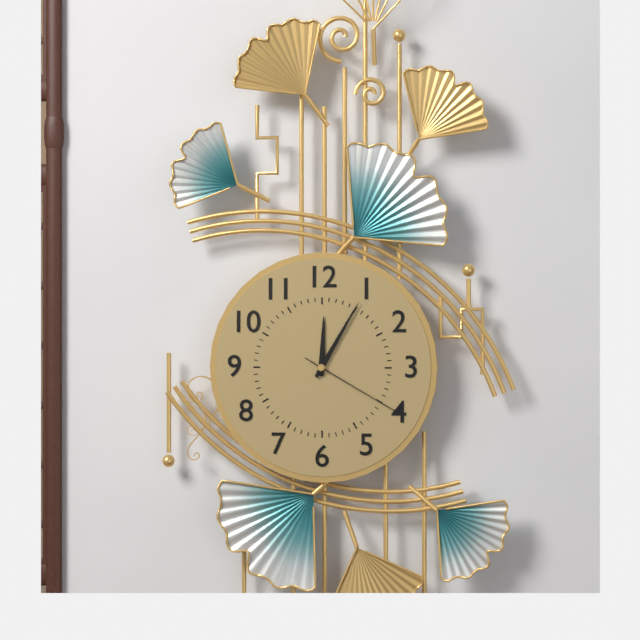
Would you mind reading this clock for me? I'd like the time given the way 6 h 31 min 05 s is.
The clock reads 12 h 05 min 20 s
